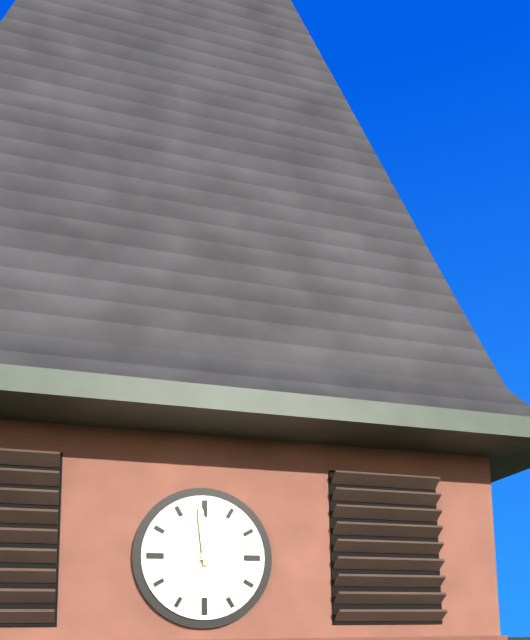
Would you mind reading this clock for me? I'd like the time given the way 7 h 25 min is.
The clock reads 12 h 59 min
